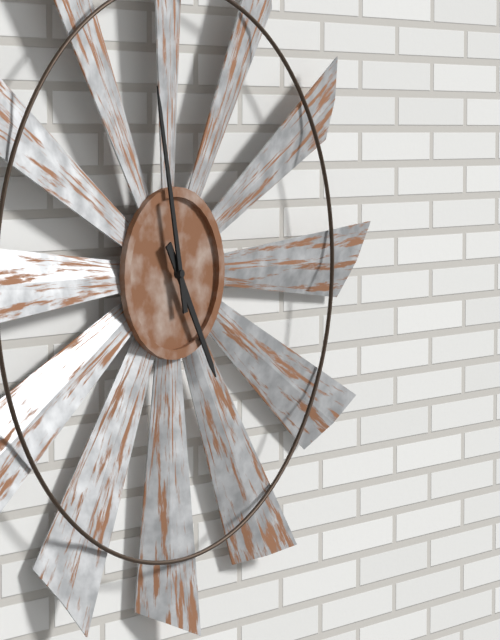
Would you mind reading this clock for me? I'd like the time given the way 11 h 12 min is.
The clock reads 4 h 58 min
